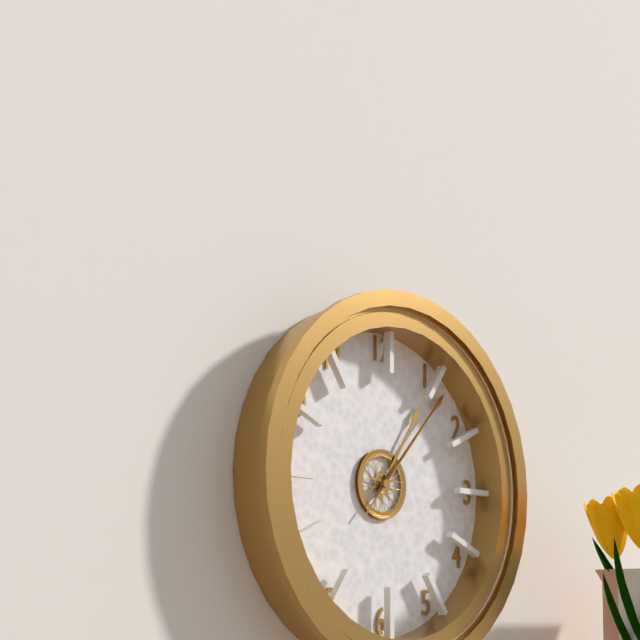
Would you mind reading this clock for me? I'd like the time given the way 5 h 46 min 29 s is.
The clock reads 1 h 07 min 07 s
